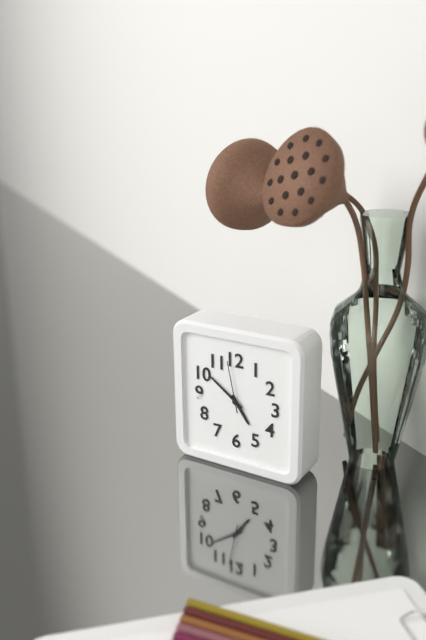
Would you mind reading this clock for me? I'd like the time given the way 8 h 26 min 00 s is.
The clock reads 4 h 51 min 58 s
